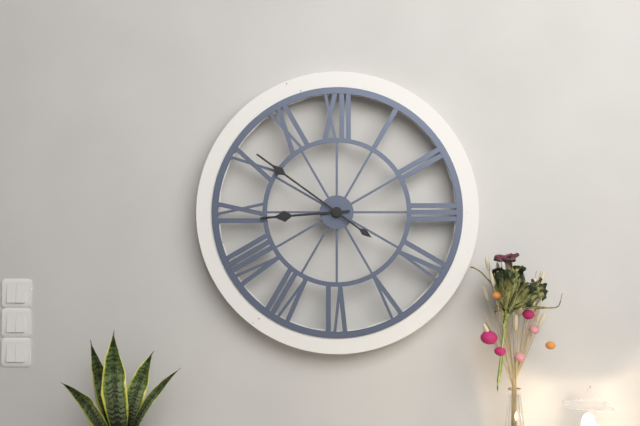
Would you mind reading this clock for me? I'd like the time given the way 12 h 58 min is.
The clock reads 8 h 51 min
